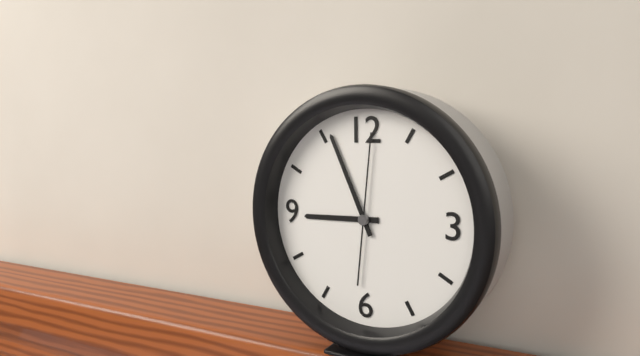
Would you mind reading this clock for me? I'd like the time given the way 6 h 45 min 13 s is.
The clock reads 8 h 56 min 01 s
